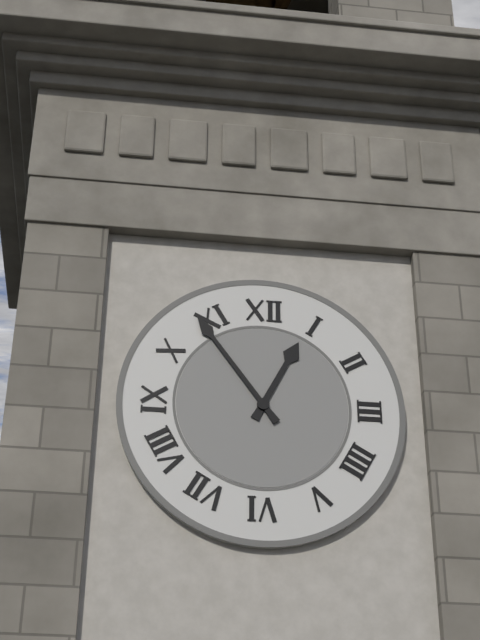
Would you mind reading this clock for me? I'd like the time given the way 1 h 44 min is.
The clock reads 12 h 54 min
